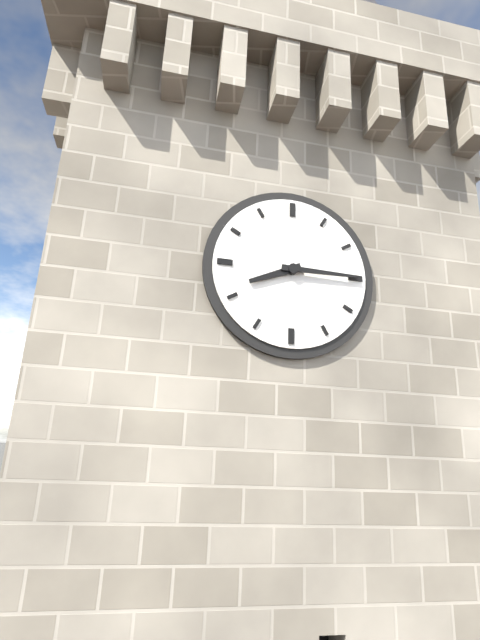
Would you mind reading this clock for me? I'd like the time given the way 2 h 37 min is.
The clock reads 8 h 15 min
